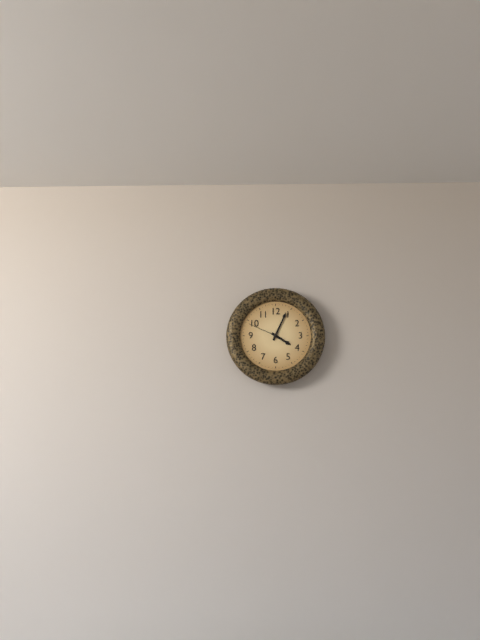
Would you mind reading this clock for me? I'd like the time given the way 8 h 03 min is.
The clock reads 4 h 04 min
